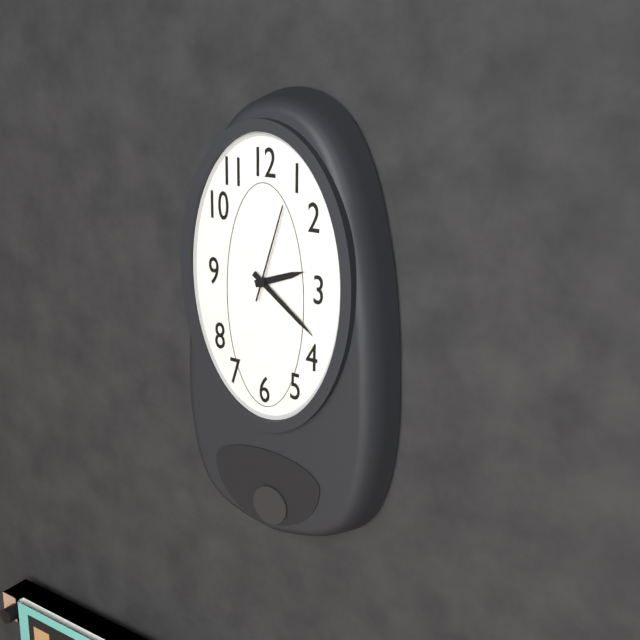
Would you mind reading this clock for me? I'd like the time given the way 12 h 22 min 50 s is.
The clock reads 2 h 21 min 03 s
